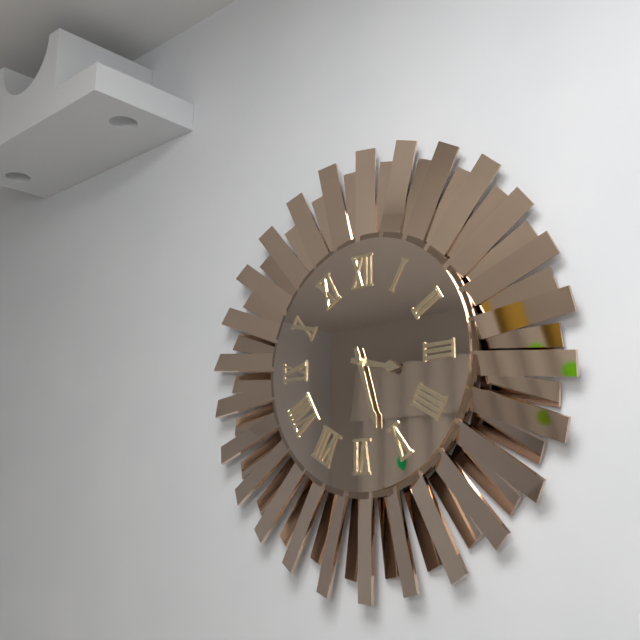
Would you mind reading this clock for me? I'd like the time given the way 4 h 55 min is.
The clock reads 3 h 27 min
